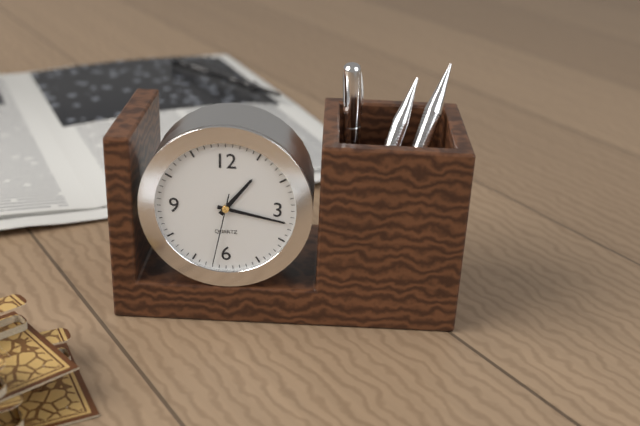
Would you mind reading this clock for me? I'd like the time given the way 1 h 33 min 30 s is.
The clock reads 1 h 17 min 32 s
